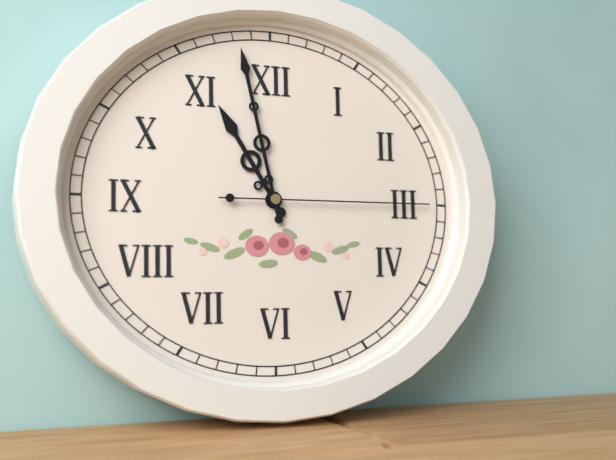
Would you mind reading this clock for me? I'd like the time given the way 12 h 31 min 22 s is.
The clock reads 10 h 58 min 15 s
